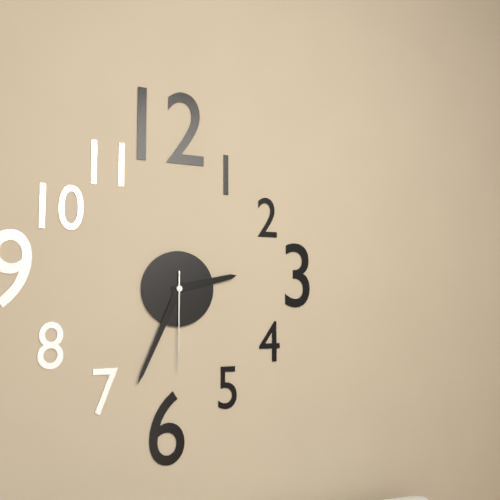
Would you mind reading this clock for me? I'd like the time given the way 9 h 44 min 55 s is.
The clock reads 2 h 34 min 30 s
